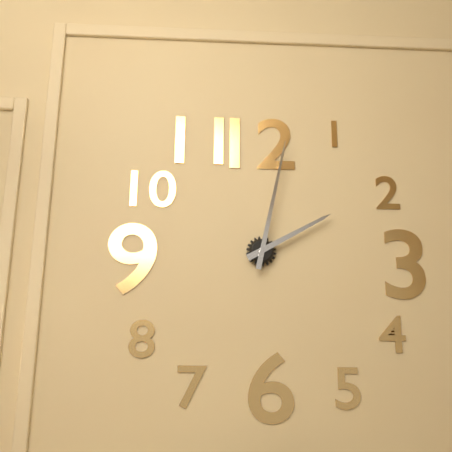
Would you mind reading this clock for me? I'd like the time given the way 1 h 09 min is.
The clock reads 2 h 02 min
